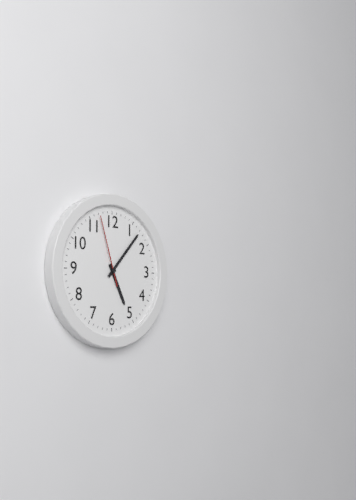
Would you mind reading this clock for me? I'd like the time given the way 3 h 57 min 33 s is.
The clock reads 5 h 07 min 57 s
